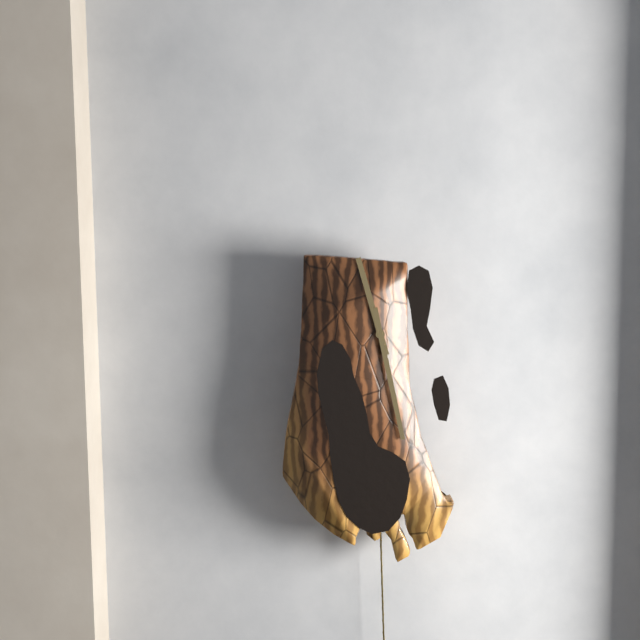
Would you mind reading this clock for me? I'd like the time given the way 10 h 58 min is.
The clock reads 11 h 28 min
